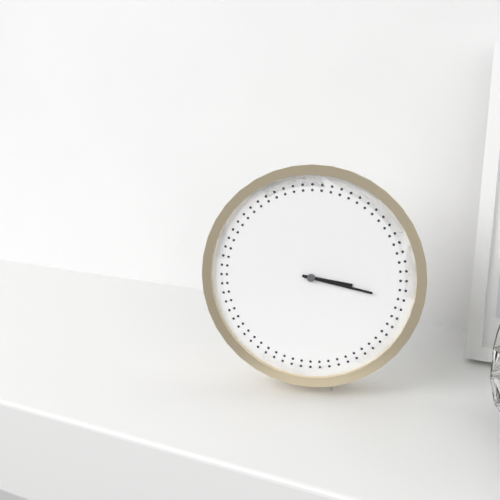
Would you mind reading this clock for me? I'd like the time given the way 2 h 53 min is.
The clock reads 3 h 17 min
